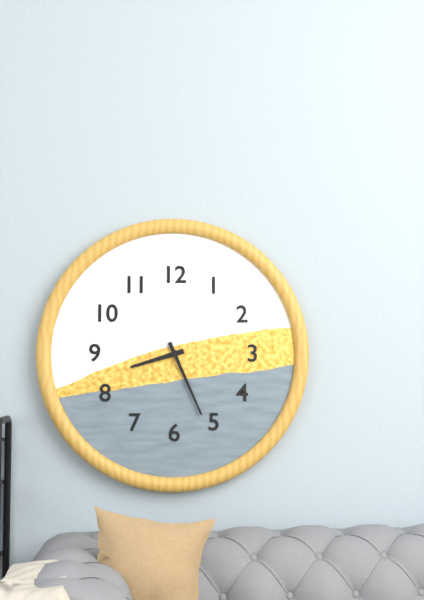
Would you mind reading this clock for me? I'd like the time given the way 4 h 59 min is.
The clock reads 8 h 26 min
